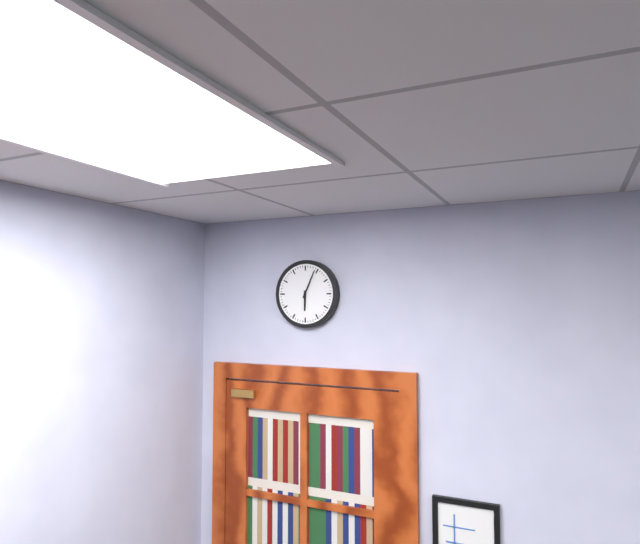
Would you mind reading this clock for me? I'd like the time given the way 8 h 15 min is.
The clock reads 6 h 04 min
